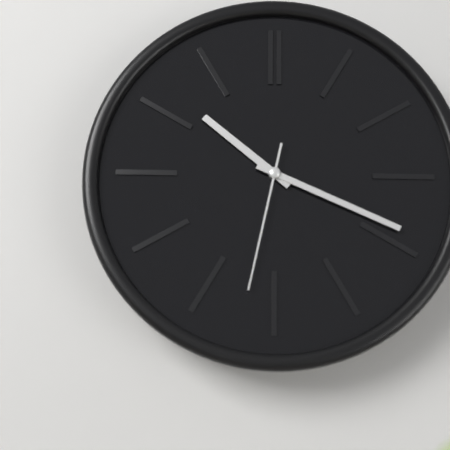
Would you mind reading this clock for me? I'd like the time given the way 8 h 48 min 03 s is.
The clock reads 10 h 19 min 32 s
